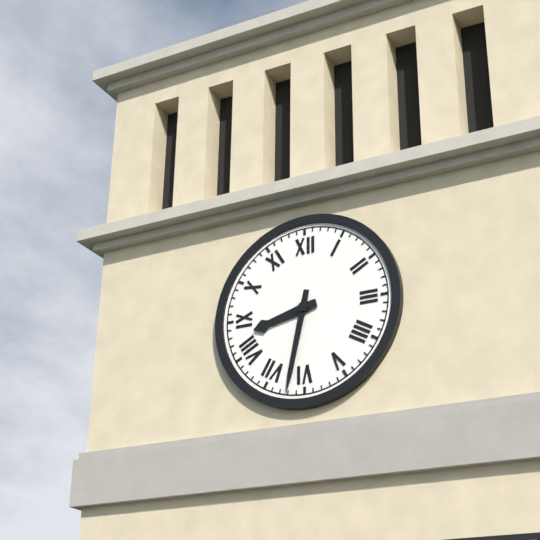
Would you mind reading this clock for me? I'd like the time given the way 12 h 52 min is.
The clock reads 8 h 32 min
